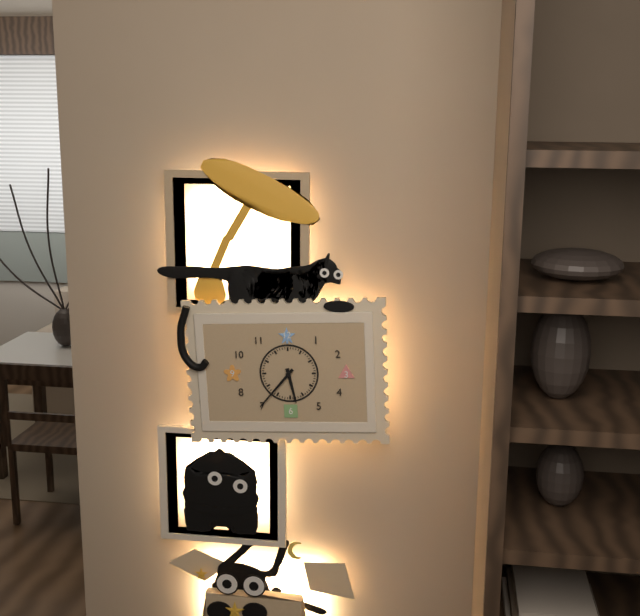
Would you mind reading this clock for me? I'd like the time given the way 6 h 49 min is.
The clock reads 5 h 37 min
